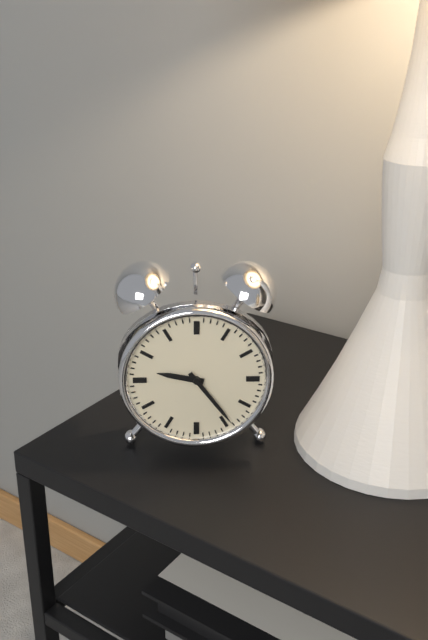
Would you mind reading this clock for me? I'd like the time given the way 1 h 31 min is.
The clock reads 9 h 24 min
